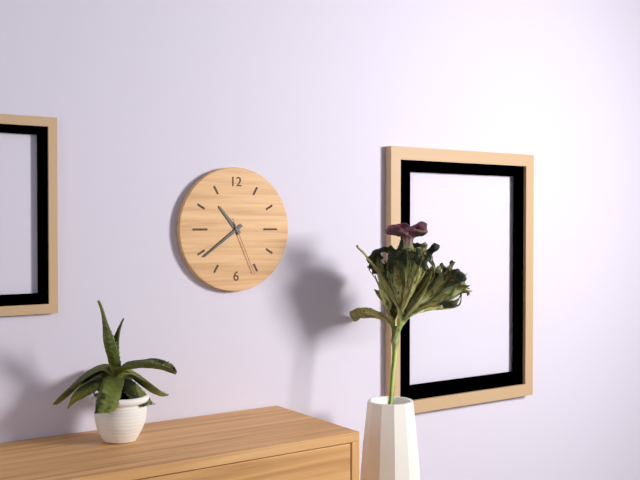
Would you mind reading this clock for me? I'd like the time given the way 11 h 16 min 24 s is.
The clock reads 10 h 39 min 26 s
